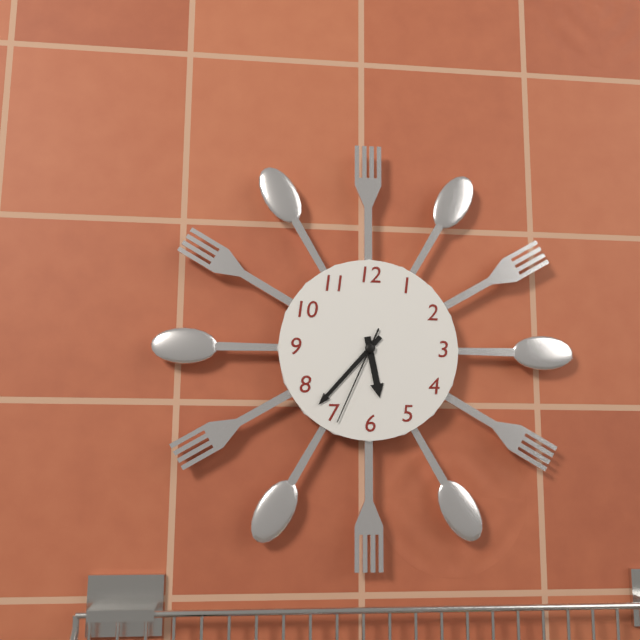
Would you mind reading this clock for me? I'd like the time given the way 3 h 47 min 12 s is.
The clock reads 5 h 37 min 34 s
